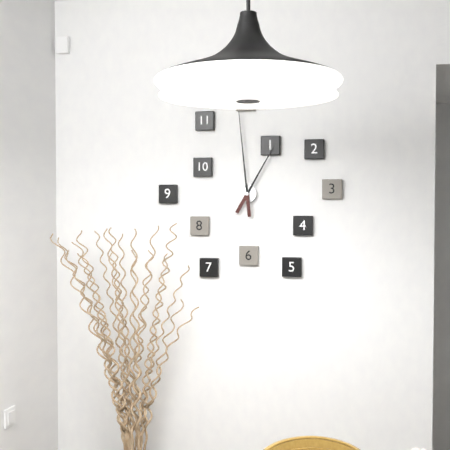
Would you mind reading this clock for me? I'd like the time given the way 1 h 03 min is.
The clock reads 12 h 59 min
